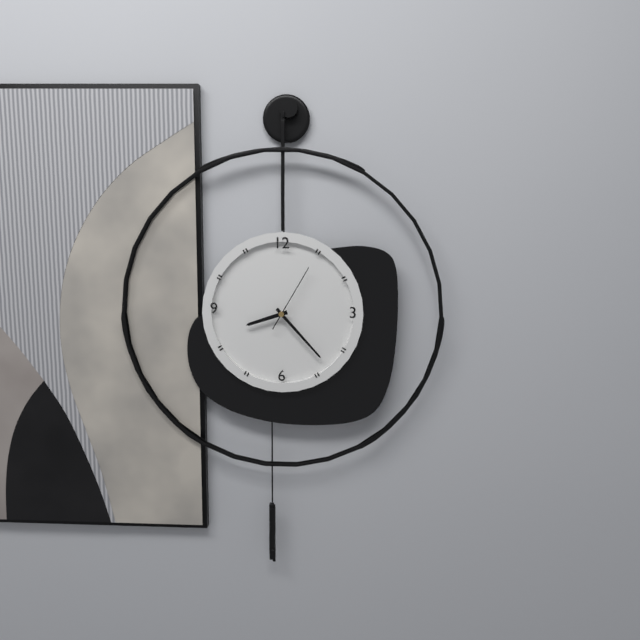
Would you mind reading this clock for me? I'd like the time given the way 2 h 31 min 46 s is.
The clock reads 8 h 23 min 05 s
